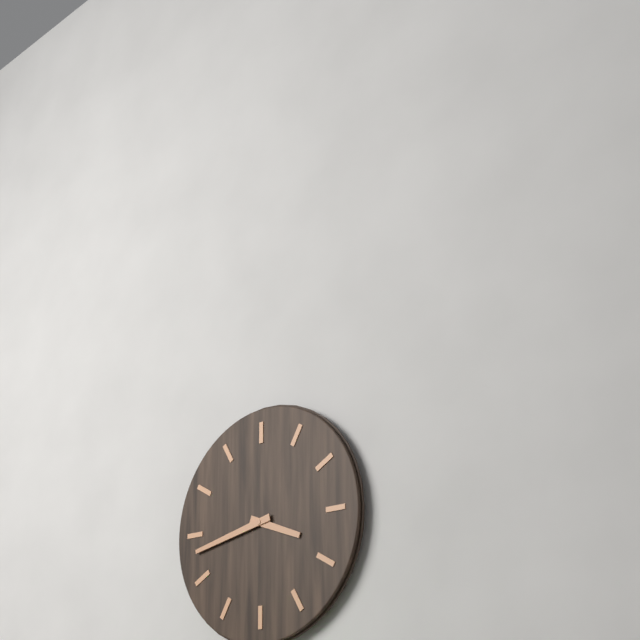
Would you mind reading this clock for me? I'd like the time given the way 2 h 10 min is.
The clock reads 3 h 43 min
